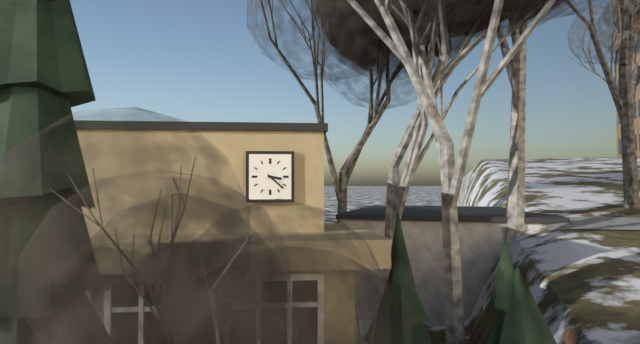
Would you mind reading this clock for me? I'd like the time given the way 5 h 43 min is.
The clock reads 3 h 22 min
